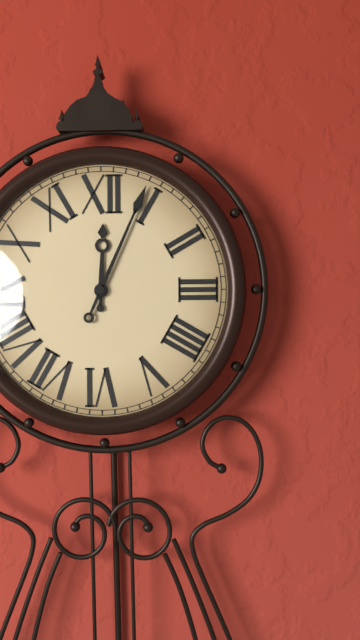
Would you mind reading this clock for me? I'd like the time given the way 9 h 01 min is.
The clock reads 12 h 04 min
